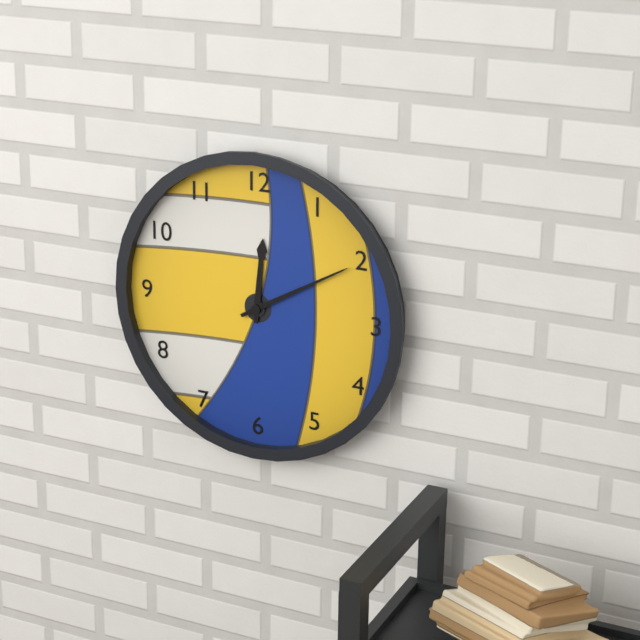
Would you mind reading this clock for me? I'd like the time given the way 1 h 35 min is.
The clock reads 12 h 10 min
